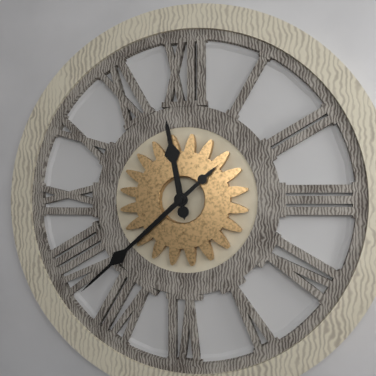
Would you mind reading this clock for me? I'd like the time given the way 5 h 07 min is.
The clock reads 11 h 38 min
